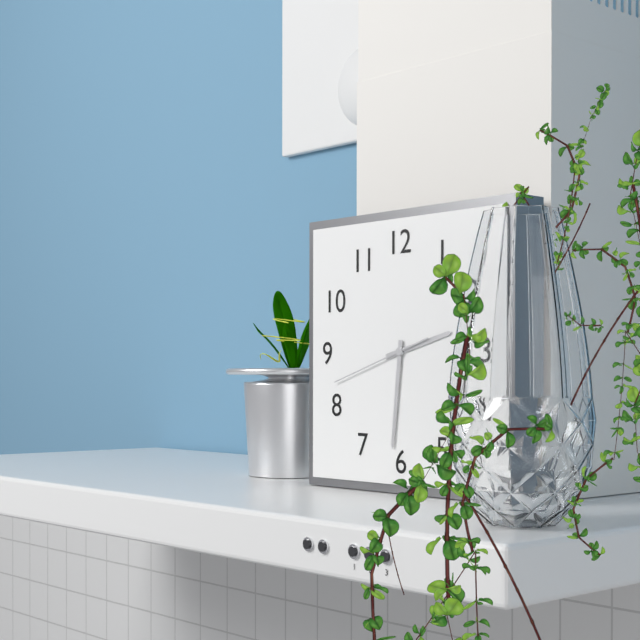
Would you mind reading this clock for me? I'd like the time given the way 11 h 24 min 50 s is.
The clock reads 2 h 31 min 42 s
